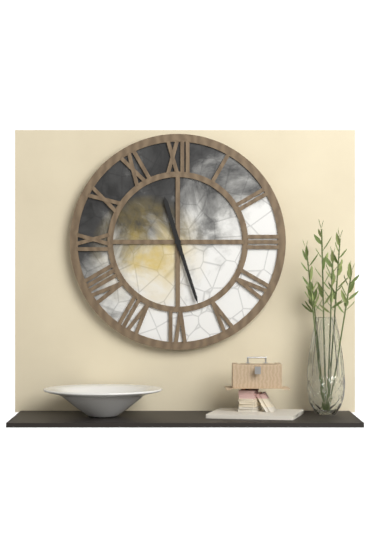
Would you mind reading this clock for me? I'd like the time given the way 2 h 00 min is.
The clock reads 11 h 27 min
